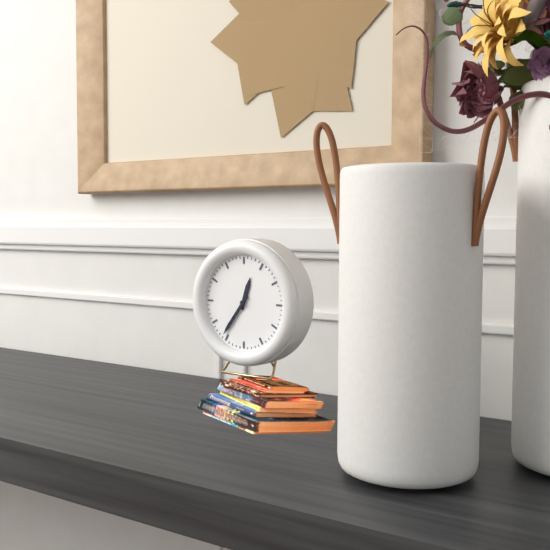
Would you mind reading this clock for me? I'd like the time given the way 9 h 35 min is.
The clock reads 12 h 36 min
